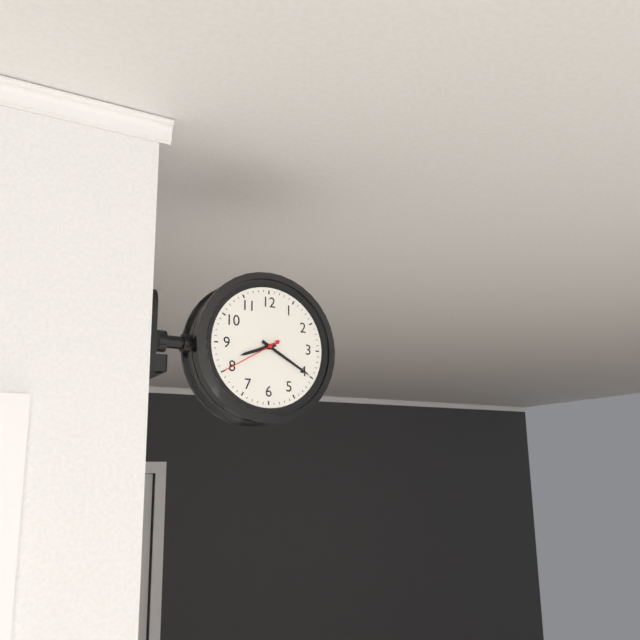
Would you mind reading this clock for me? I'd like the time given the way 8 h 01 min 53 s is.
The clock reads 8 h 20 min 40 s
